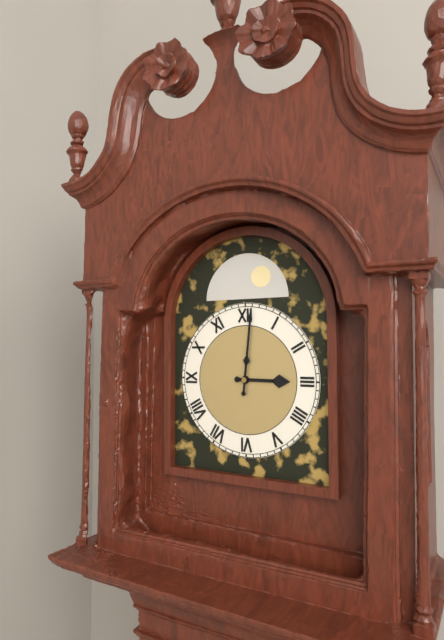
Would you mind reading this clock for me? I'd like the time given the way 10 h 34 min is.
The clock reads 3 h 01 min
